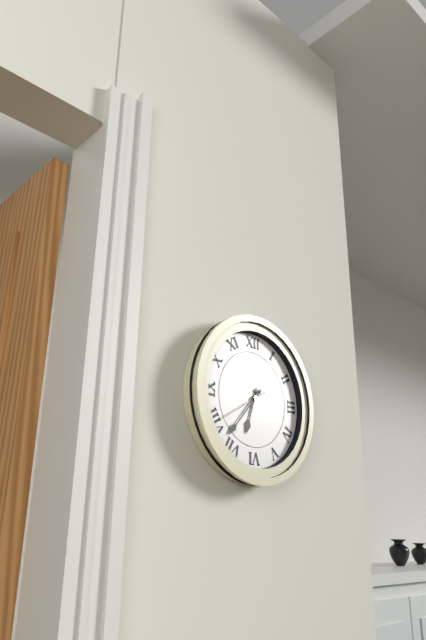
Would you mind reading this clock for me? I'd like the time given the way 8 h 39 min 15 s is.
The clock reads 6 h 37 min 40 s
